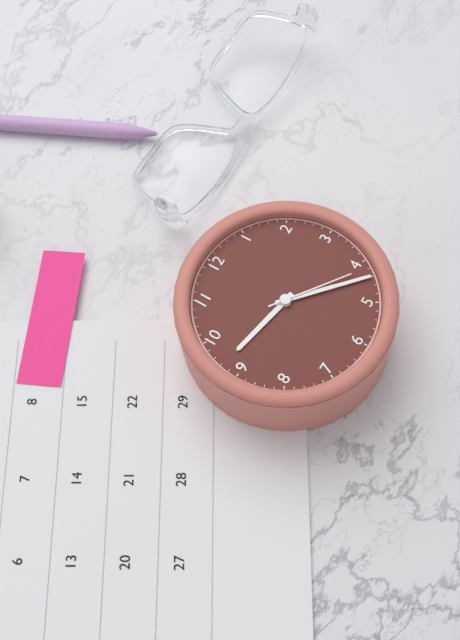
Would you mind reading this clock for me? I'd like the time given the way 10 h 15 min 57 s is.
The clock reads 9 h 22 min 21 s
